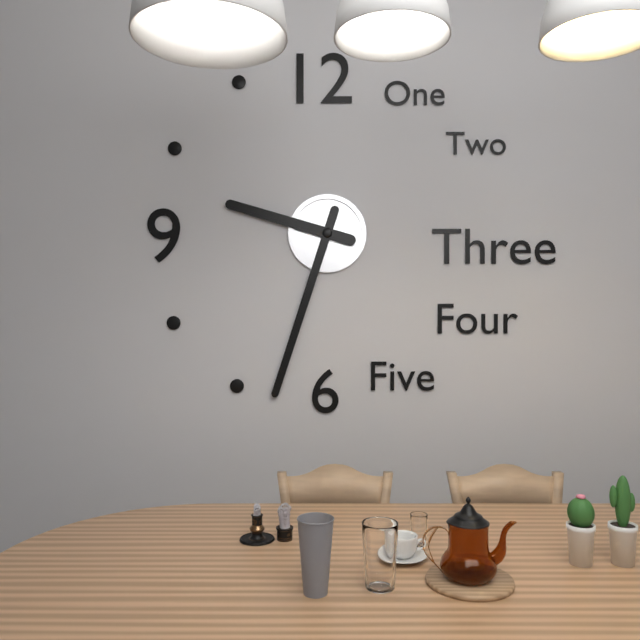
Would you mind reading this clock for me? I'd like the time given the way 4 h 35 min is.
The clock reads 9 h 33 min
